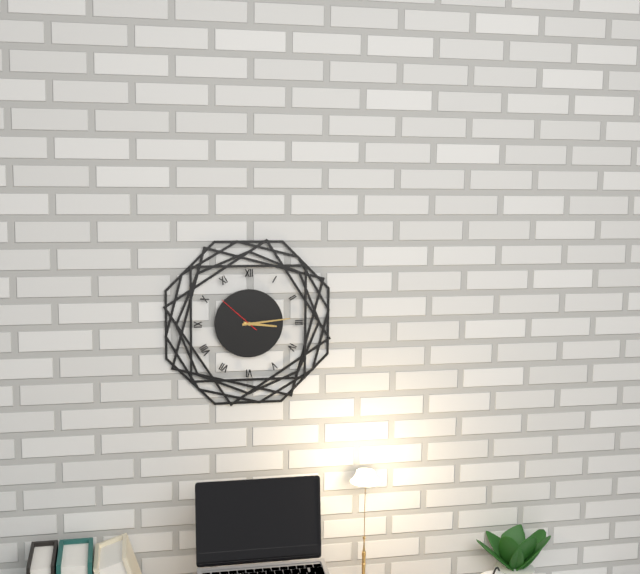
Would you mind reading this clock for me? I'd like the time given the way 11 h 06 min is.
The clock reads 3 h 14 min
